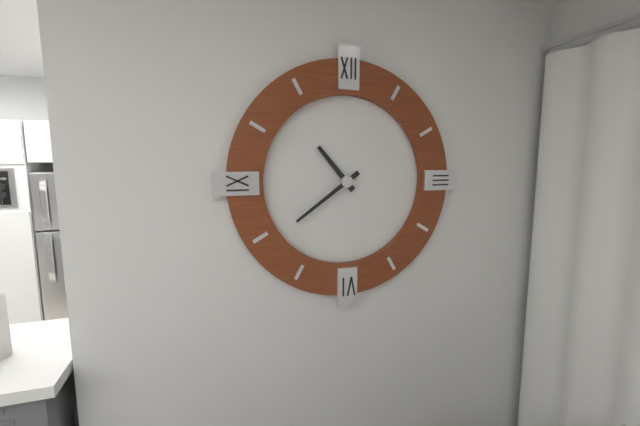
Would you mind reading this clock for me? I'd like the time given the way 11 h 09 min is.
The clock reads 10 h 39 min
